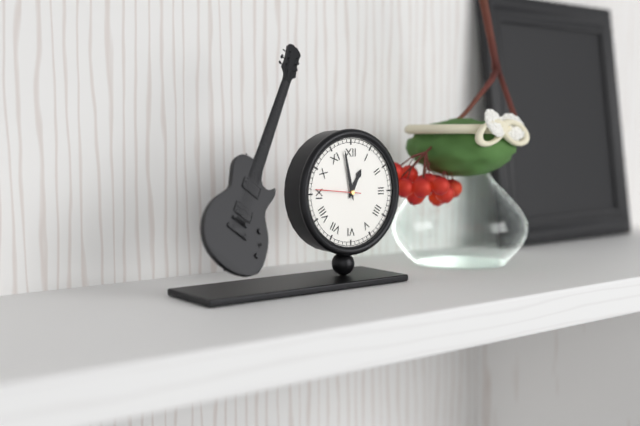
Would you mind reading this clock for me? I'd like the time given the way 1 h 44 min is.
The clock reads 12 h 58 min
